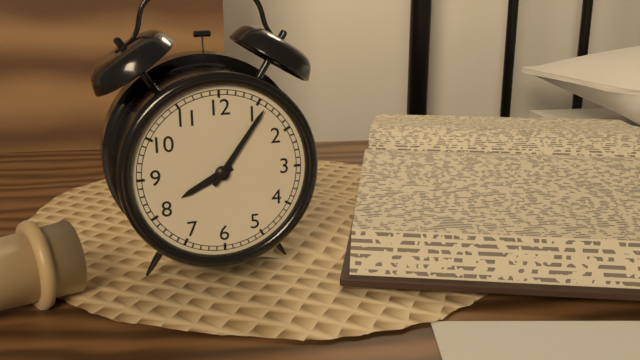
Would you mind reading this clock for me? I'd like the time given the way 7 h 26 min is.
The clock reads 8 h 06 min
